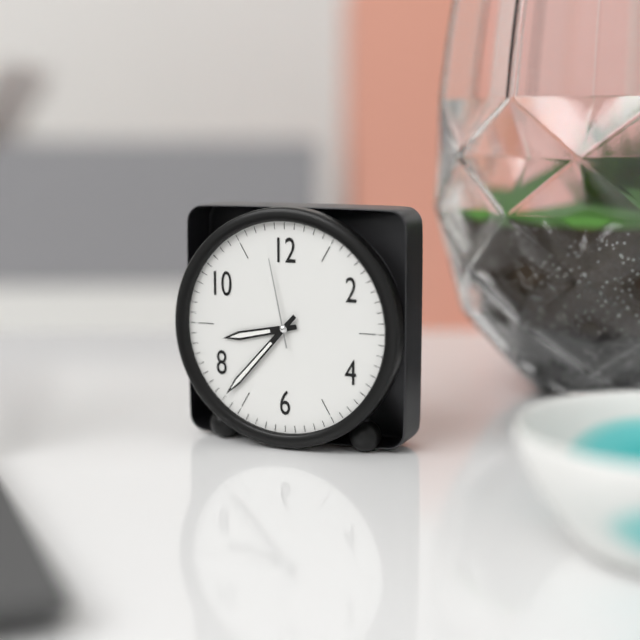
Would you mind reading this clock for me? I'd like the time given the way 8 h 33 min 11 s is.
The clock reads 8 h 37 min 58 s
